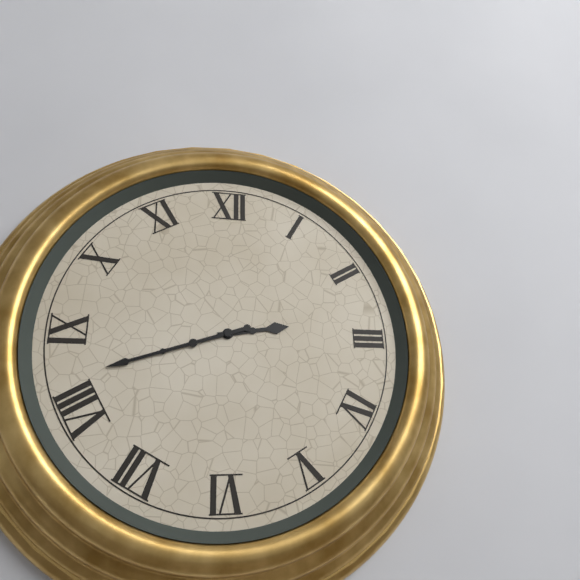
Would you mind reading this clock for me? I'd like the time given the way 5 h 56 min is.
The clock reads 2 h 42 min
